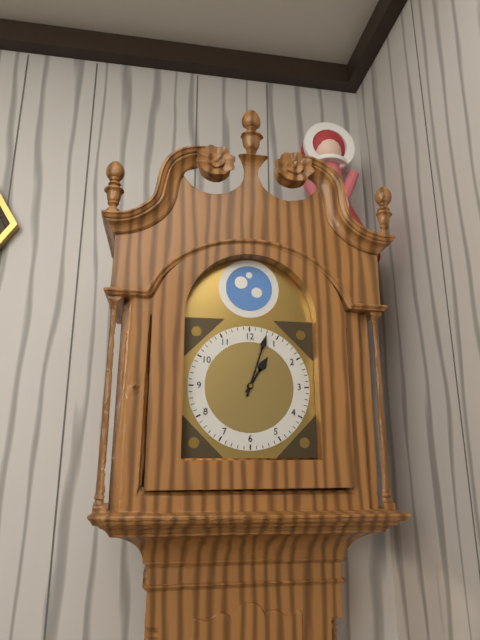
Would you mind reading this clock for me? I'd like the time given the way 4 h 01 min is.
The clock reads 1 h 03 min
